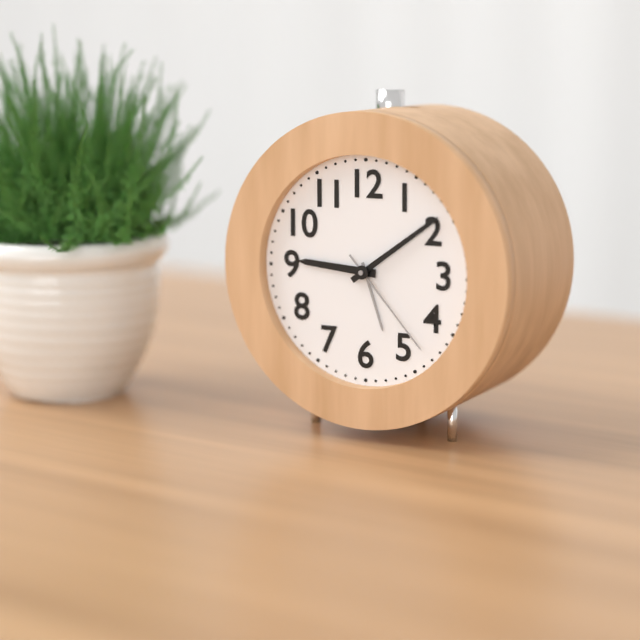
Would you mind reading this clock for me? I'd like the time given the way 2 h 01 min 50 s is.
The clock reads 9 h 09 min 23 s
